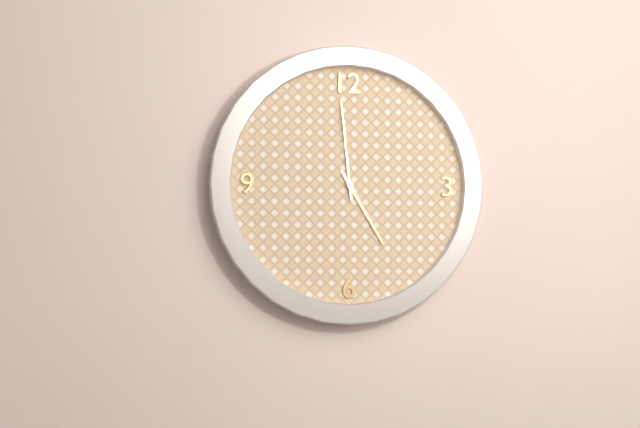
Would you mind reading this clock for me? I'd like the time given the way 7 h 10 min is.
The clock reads 4 h 59 min
